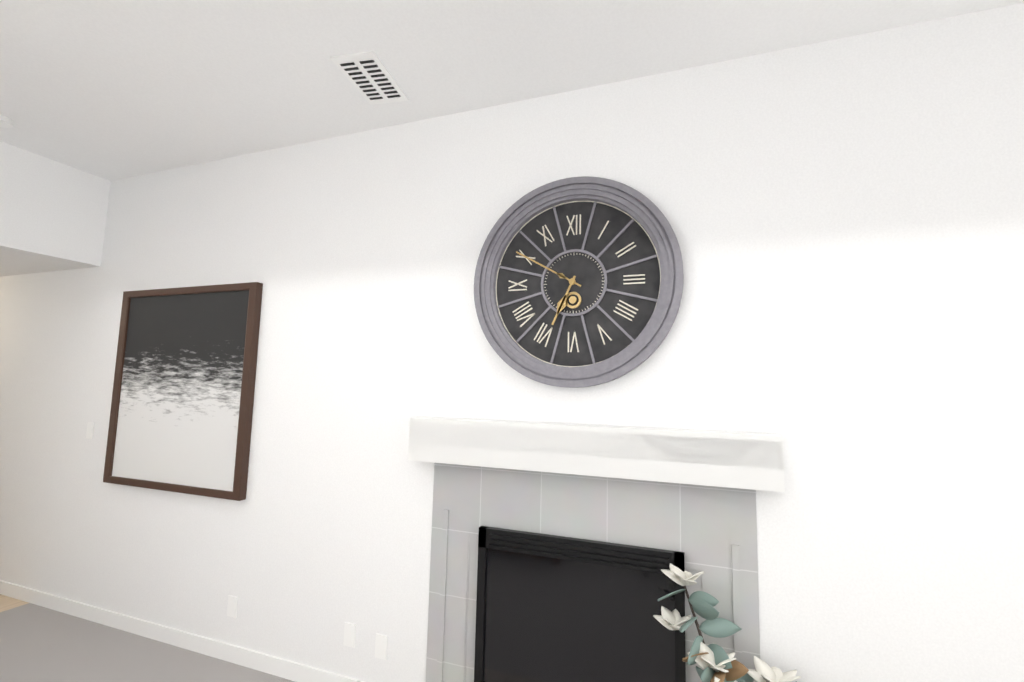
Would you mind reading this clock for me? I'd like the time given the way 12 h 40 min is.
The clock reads 6 h 50 min
